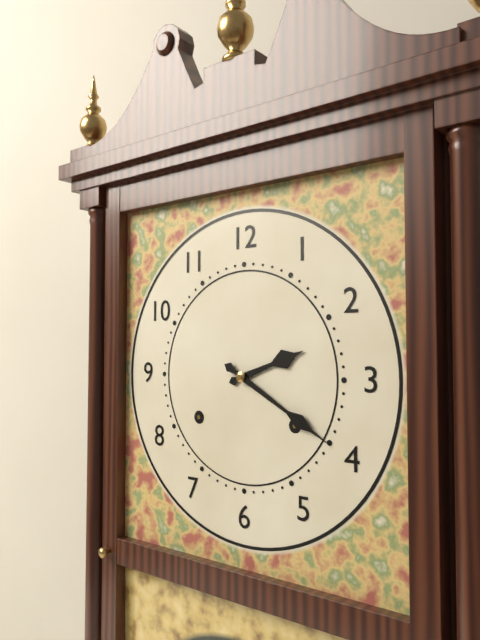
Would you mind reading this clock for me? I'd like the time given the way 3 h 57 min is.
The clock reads 2 h 20 min
